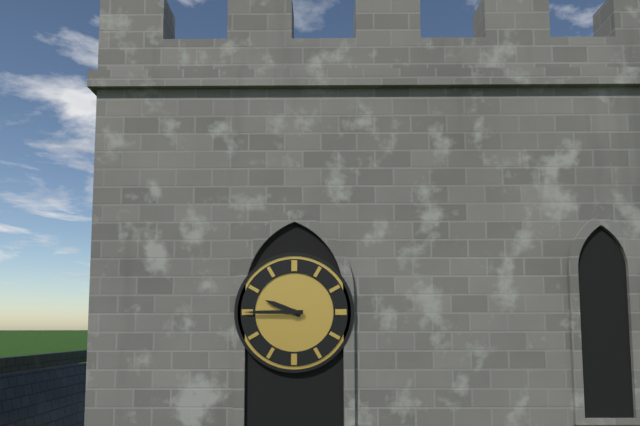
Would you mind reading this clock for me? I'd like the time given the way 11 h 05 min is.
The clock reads 9 h 45 min
